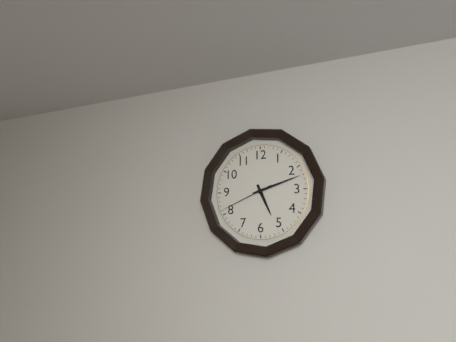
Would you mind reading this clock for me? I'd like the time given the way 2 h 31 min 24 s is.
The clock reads 5 h 12 min 41 s
